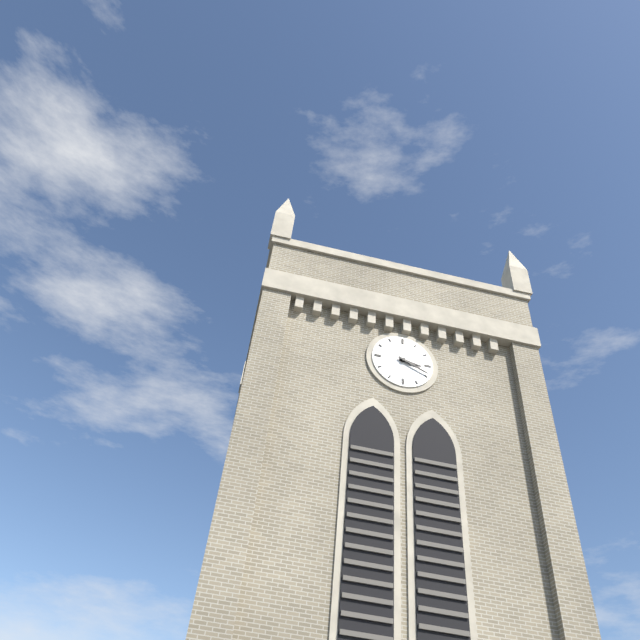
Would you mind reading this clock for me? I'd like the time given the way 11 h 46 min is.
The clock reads 3 h 19 min
